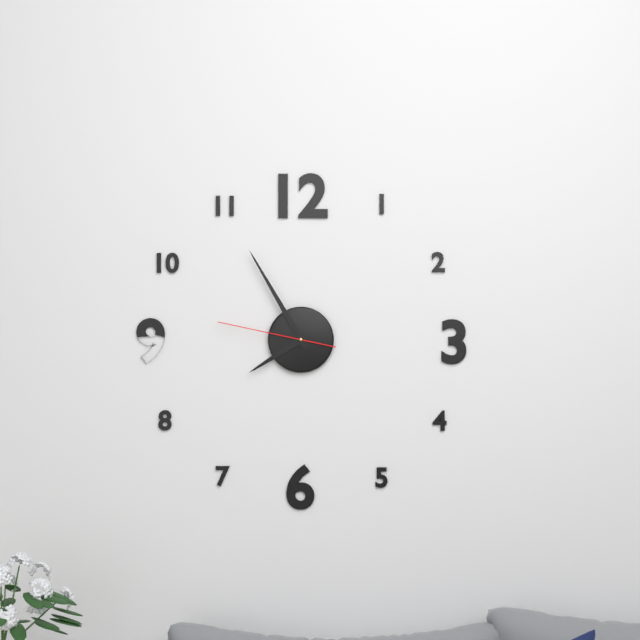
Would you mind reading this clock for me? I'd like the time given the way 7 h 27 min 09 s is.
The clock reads 7 h 55 min 47 s
